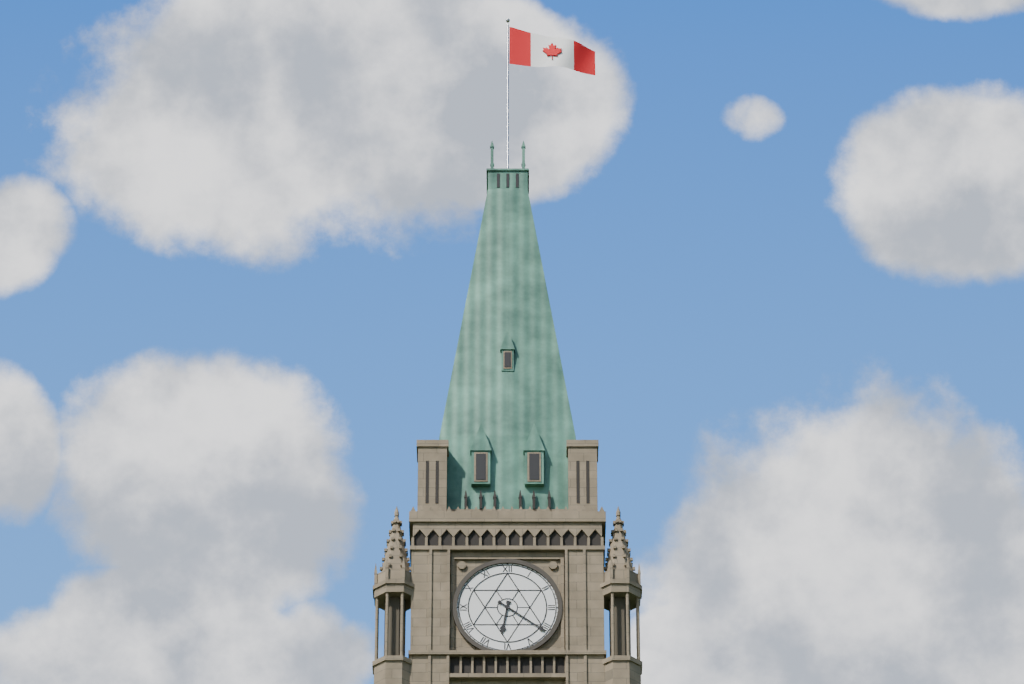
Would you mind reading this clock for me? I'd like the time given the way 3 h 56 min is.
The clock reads 6 h 21 min
